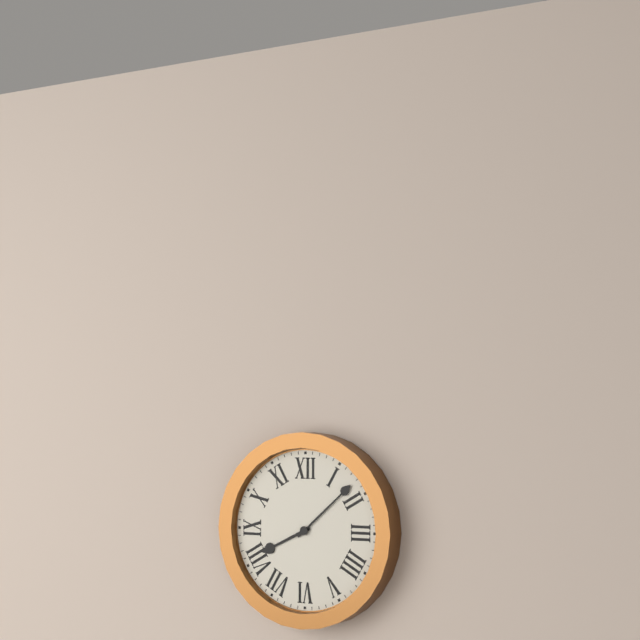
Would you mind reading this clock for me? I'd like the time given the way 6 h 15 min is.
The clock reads 8 h 08 min
